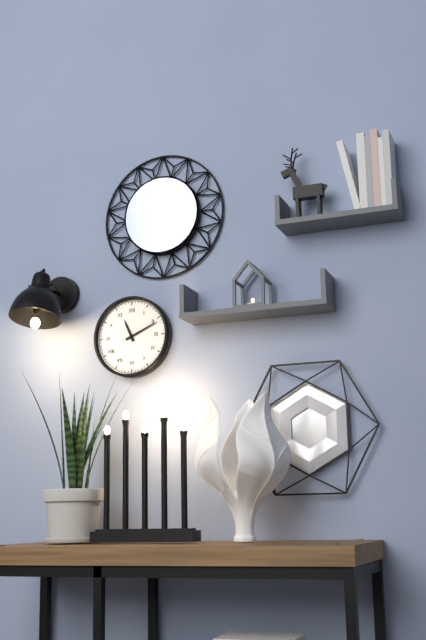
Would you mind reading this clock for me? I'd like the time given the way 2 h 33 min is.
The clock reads 11 h 11 min
